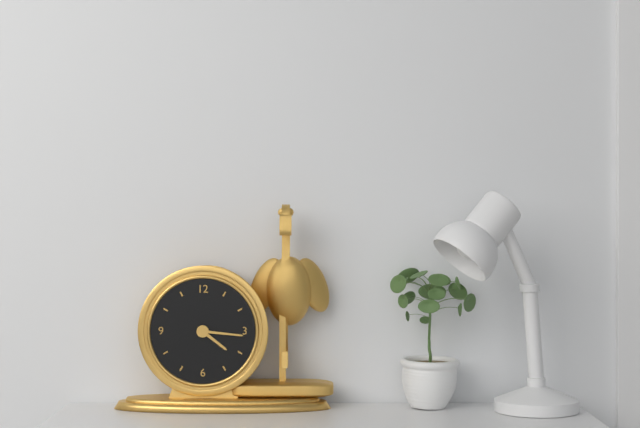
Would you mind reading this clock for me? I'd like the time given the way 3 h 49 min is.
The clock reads 4 h 16 min
